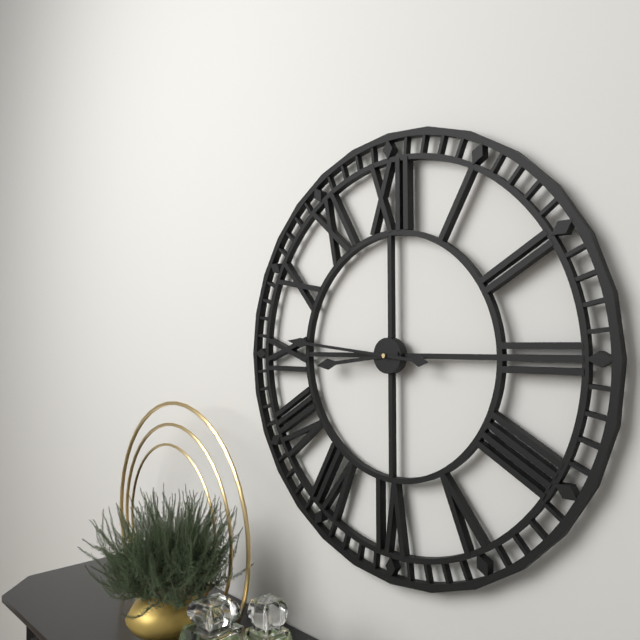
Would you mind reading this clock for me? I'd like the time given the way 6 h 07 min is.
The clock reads 8 h 46 min
